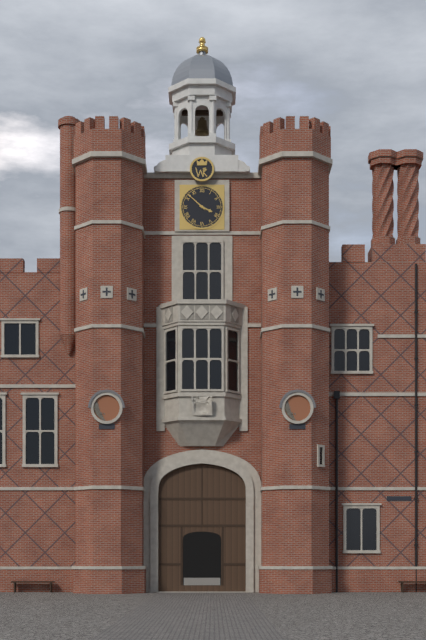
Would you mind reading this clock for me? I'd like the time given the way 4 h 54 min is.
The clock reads 3 h 52 min
